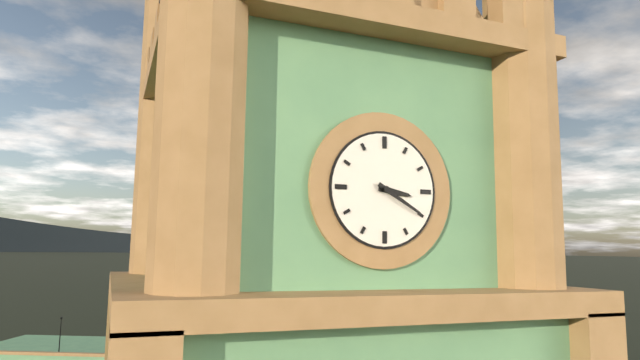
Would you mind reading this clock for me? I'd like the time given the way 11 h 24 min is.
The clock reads 3 h 20 min
